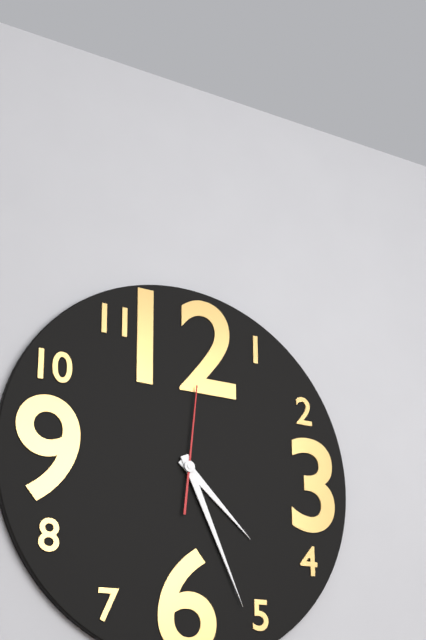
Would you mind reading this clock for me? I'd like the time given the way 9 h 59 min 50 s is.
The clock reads 4 h 26 min 01 s
